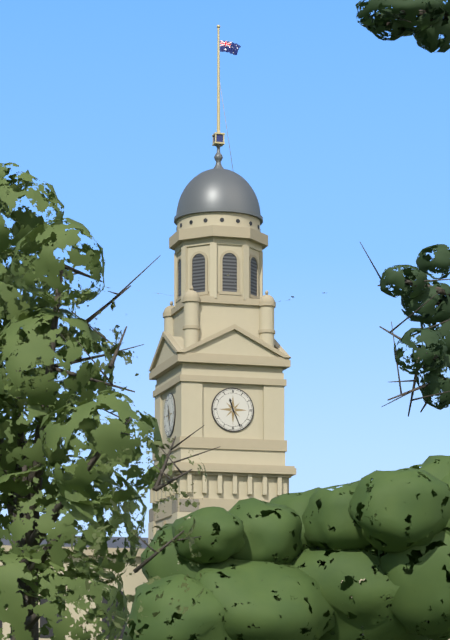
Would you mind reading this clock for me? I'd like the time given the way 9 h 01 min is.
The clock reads 11 h 26 min
